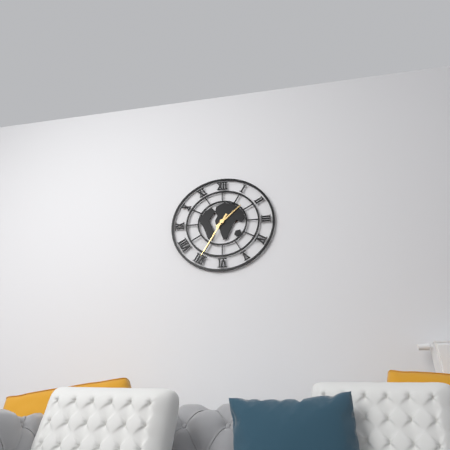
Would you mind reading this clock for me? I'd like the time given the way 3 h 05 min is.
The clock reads 1 h 35 min
